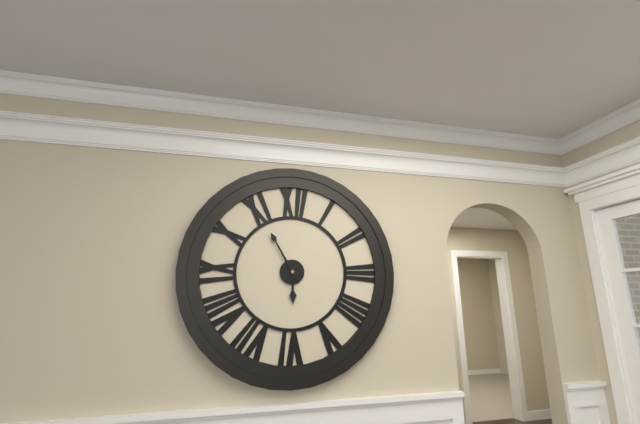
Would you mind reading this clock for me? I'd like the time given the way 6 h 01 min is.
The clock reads 5 h 55 min
